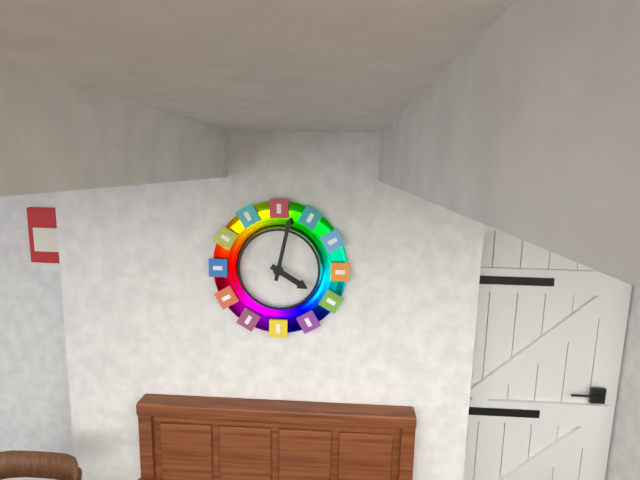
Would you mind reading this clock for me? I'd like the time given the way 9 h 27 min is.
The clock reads 4 h 02 min
